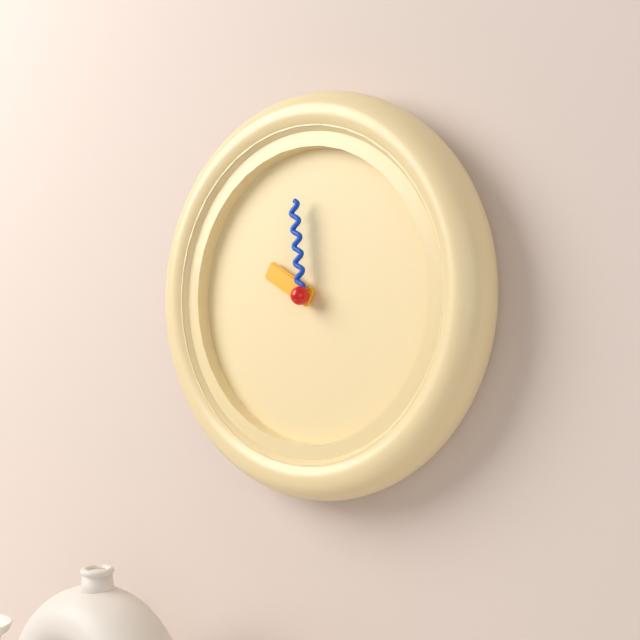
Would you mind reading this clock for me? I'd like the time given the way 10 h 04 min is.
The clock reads 9 h 59 min
